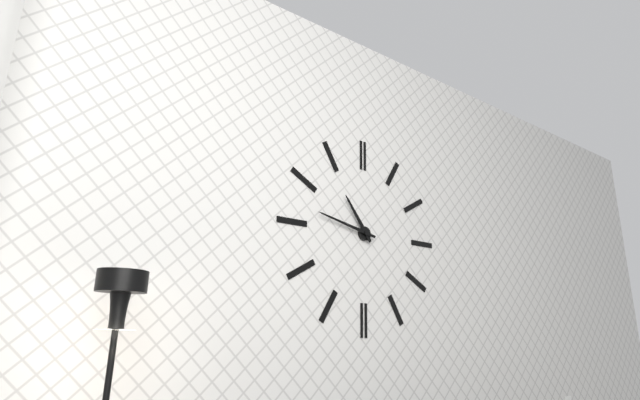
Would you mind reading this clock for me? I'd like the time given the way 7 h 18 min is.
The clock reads 10 h 47 min
